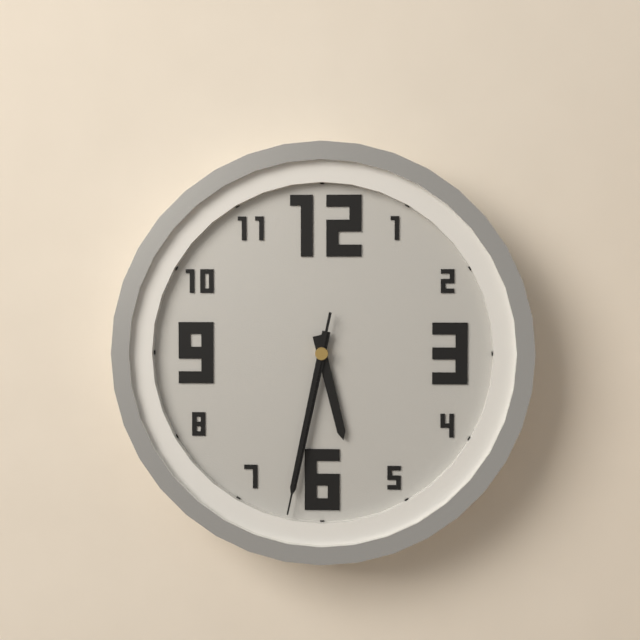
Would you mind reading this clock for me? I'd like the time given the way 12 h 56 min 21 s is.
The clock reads 5 h 32 min 32 s
